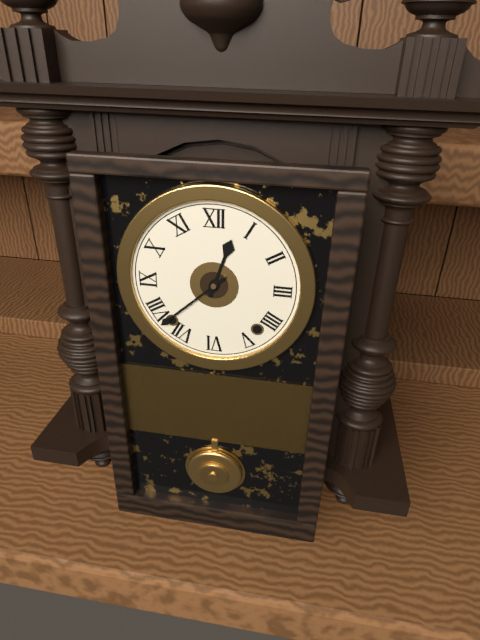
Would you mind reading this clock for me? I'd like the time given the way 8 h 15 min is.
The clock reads 12 h 38 min
